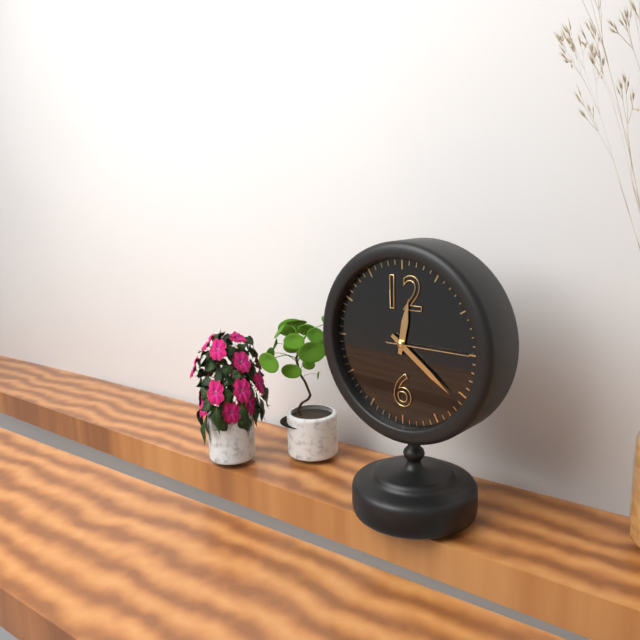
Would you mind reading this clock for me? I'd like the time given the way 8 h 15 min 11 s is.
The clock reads 12 h 21 min 15 s
